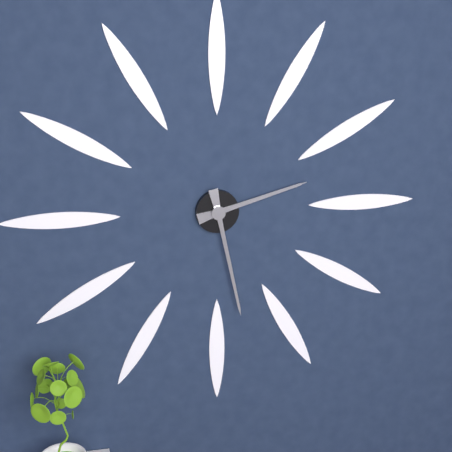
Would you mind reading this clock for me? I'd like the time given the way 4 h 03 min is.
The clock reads 2 h 28 min
